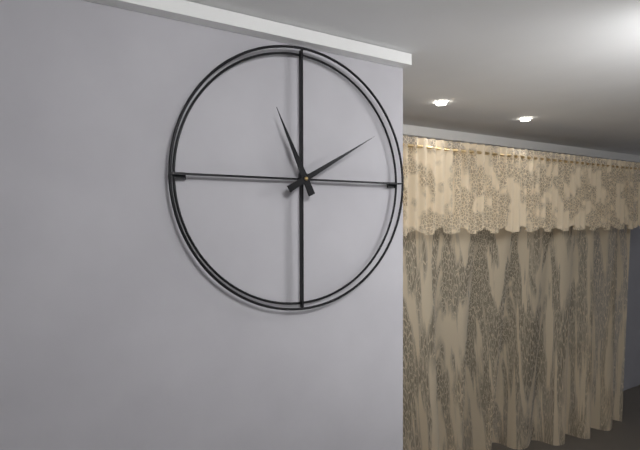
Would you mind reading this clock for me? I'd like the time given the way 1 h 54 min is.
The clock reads 11 h 10 min
